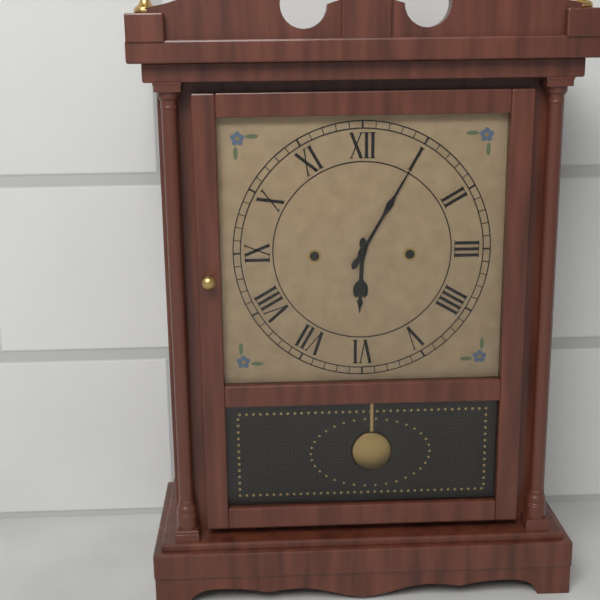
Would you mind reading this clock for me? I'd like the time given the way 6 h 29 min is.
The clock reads 6 h 05 min
